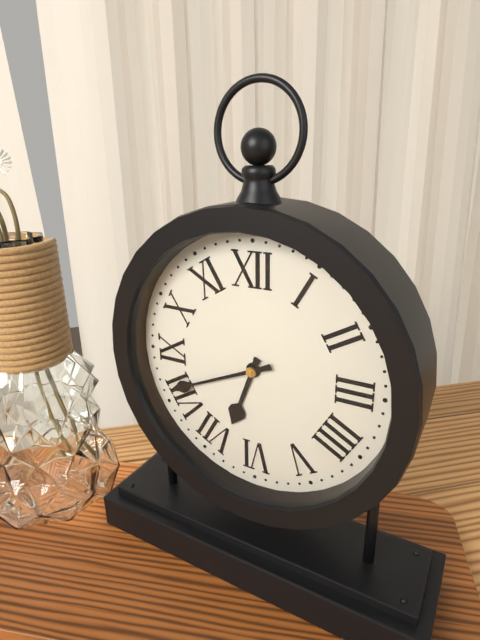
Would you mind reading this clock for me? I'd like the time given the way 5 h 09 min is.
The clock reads 6 h 41 min
